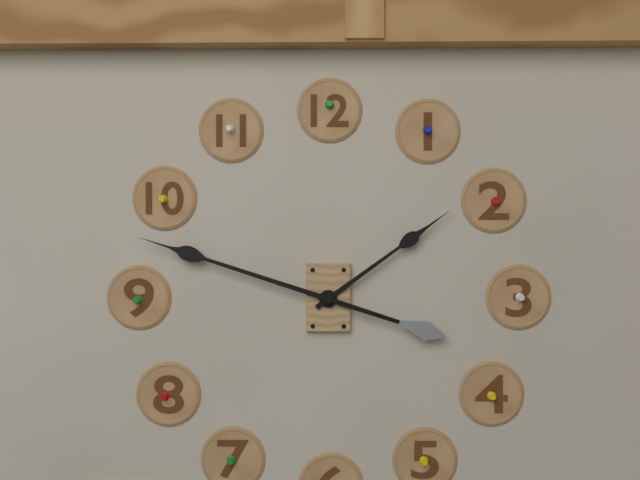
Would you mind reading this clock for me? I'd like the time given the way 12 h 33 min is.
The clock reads 1 h 48 min
